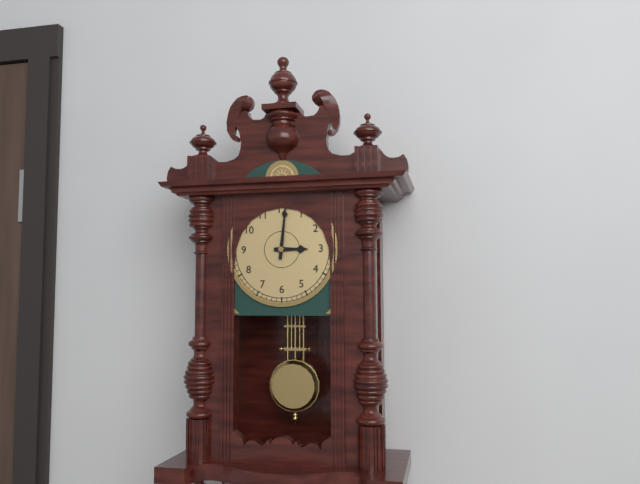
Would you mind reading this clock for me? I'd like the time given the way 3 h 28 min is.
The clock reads 3 h 01 min
